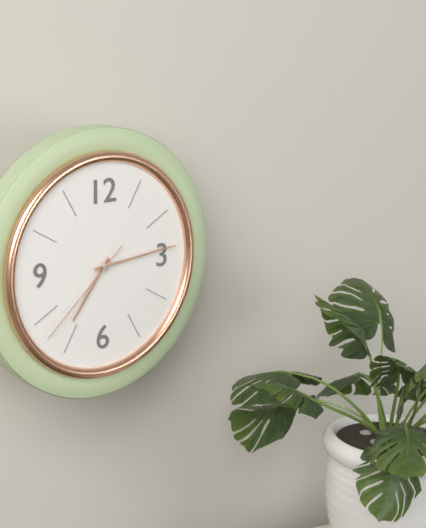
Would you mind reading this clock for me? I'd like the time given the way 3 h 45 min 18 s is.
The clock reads 7 h 14 min 38 s
